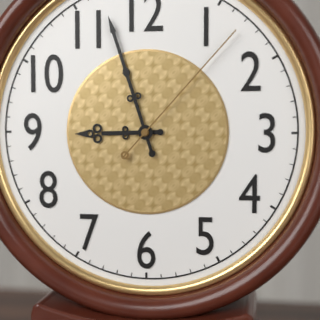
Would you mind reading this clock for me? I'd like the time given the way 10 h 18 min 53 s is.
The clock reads 8 h 57 min 07 s
